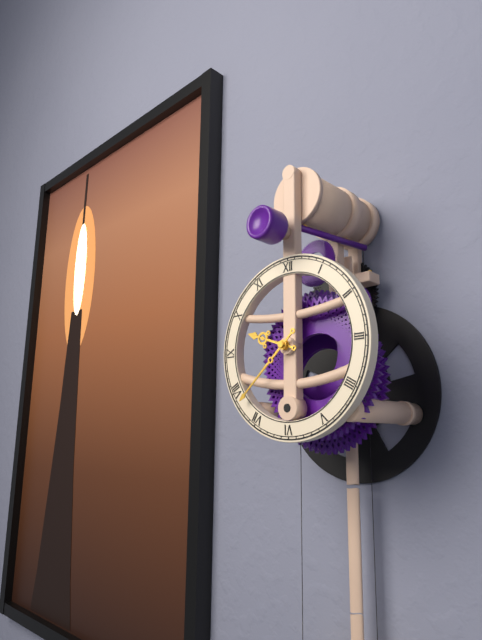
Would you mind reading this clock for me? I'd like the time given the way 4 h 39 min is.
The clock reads 9 h 38 min
